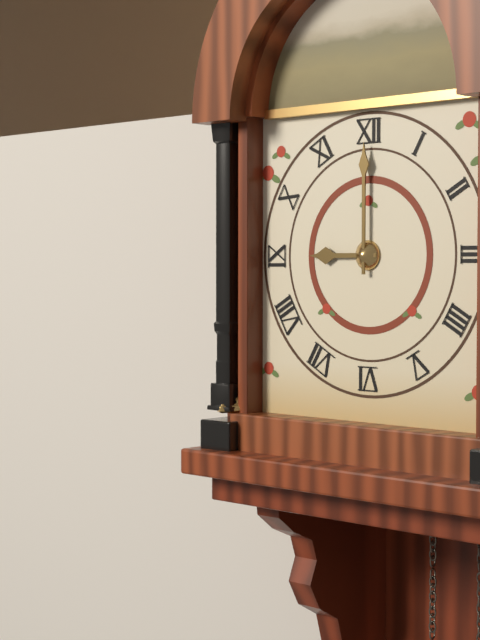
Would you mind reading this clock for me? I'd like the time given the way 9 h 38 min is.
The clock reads 9 h 00 min
